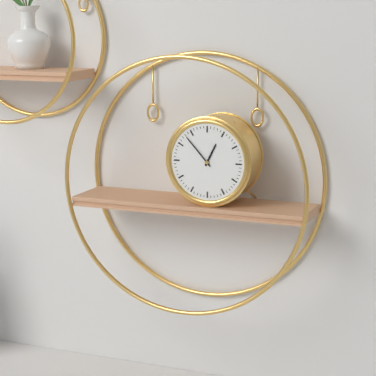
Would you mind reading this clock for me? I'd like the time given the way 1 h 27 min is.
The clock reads 12 h 53 min
